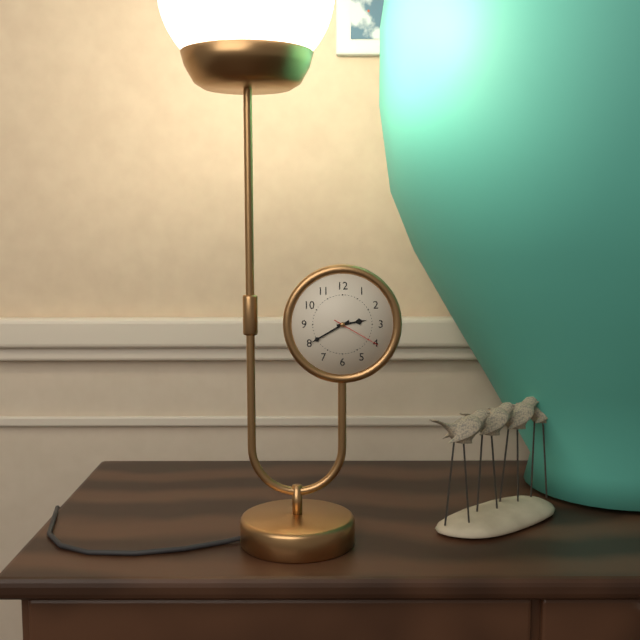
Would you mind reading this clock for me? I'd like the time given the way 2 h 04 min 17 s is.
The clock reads 2 h 40 min 20 s
